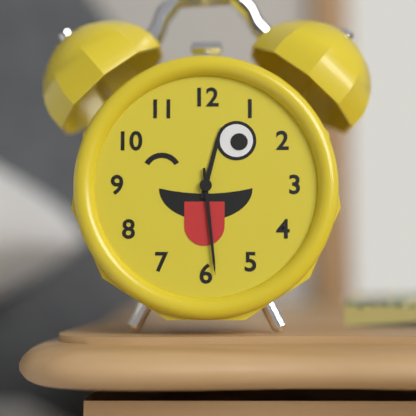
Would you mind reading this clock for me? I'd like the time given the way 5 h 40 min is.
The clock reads 12 h 29 min
